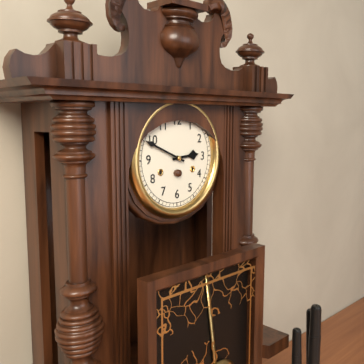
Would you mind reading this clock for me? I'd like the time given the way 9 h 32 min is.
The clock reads 2 h 49 min
